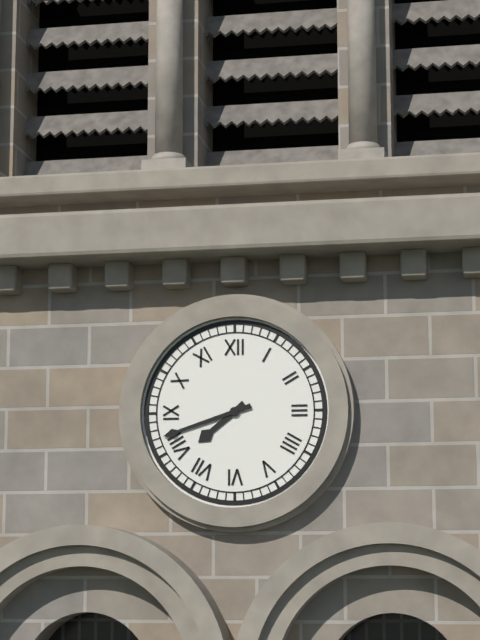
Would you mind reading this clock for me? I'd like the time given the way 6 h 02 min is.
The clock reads 7 h 42 min
